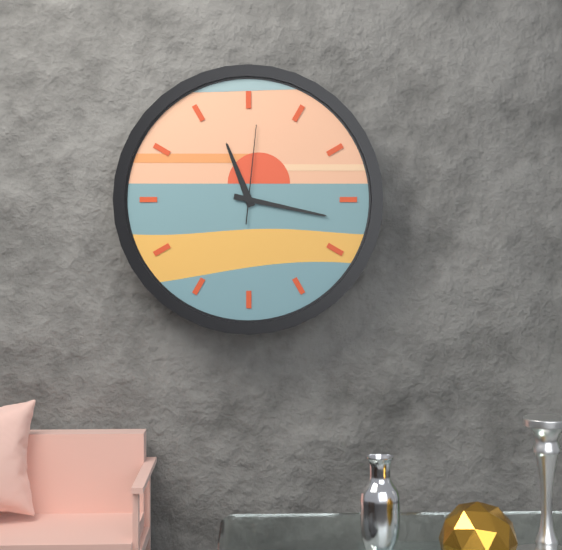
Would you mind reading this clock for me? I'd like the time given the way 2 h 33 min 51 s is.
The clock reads 11 h 17 min 01 s
